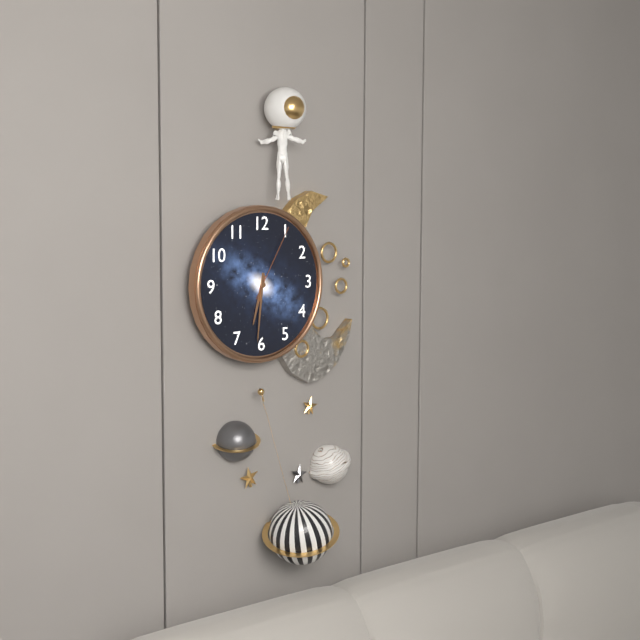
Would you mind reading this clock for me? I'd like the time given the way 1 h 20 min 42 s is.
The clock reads 6 h 31 min 05 s
